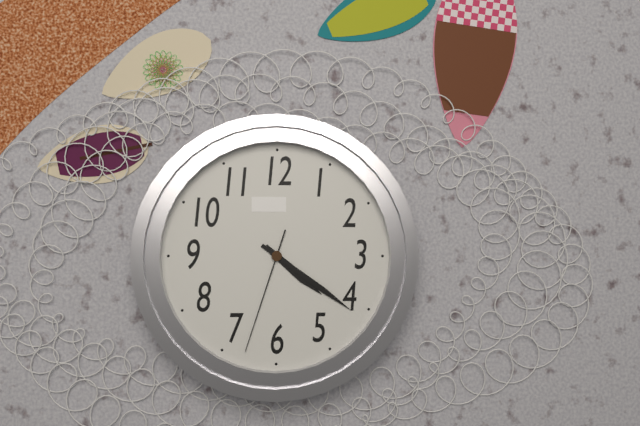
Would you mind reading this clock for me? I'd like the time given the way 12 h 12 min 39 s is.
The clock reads 4 h 21 min 33 s
